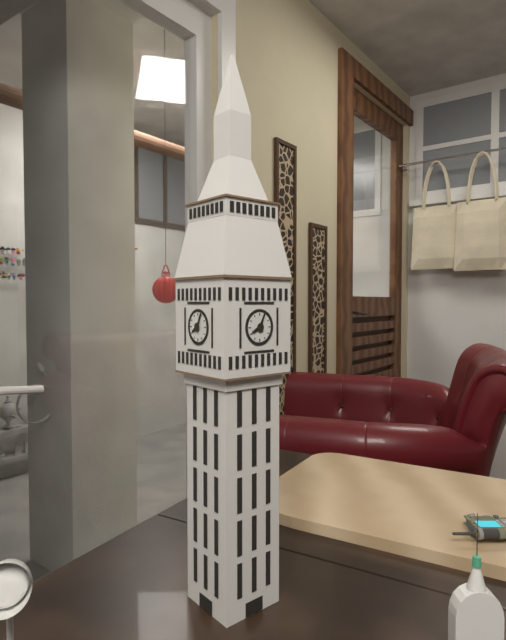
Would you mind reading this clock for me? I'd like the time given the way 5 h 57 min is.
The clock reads 8 h 04 min
